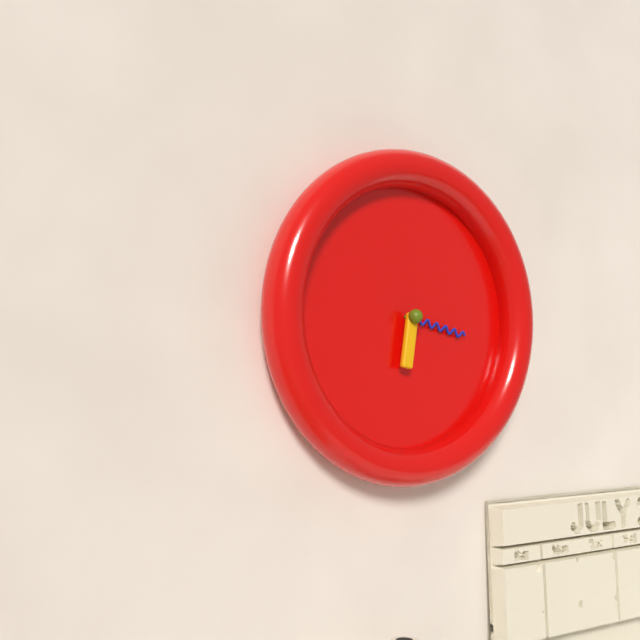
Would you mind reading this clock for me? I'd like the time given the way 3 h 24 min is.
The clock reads 6 h 17 min
